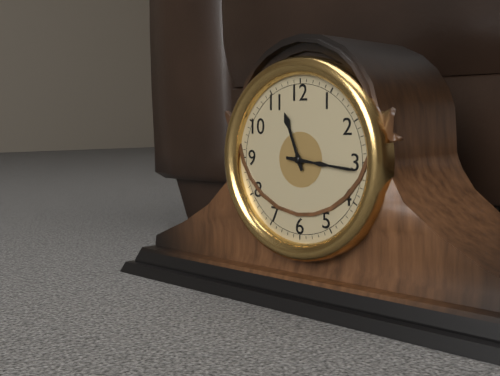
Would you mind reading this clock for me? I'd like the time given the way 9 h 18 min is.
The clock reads 11 h 16 min
